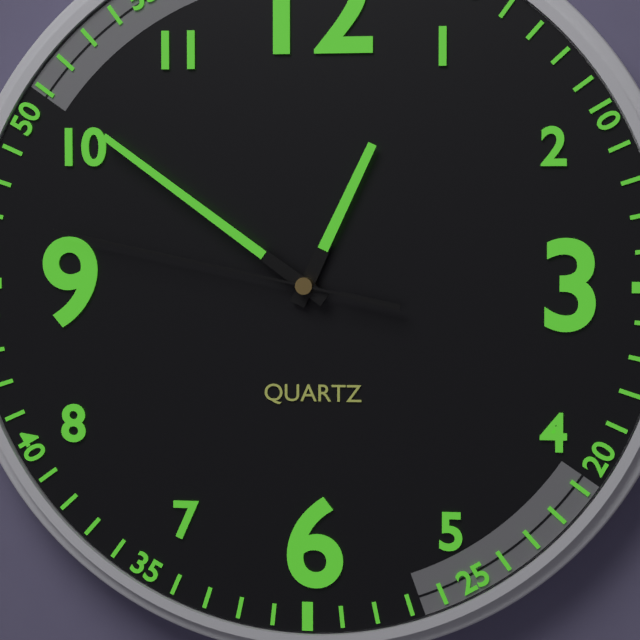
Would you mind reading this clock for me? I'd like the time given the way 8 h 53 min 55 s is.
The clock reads 12 h 51 min 47 s
